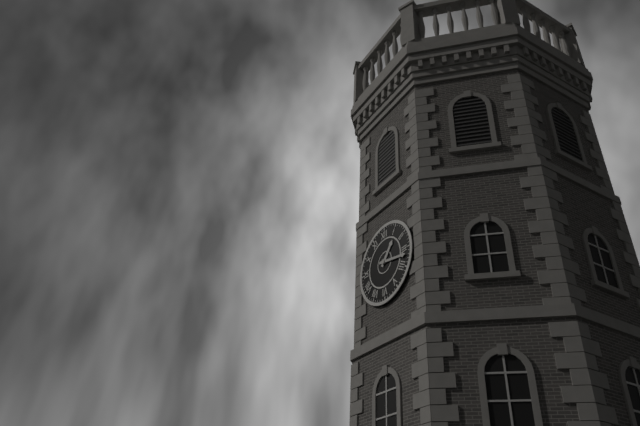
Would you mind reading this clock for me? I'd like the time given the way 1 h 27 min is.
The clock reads 1 h 17 min
